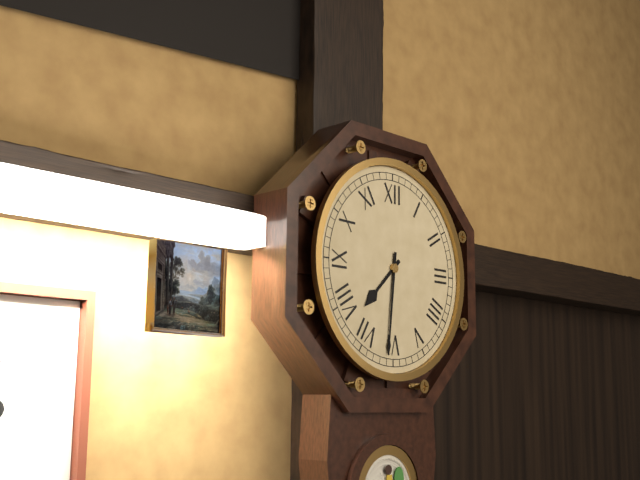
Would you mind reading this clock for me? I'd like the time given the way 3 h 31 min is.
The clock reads 7 h 31 min
